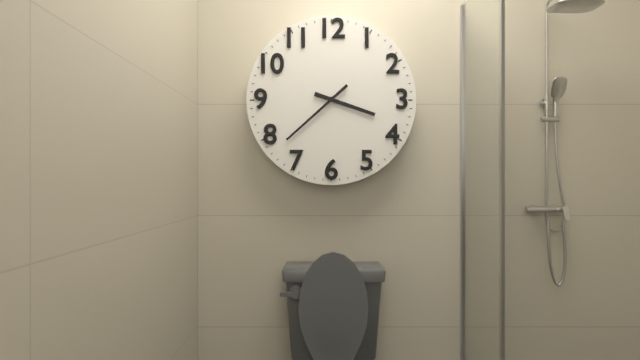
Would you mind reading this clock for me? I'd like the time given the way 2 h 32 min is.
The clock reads 3 h 38 min
